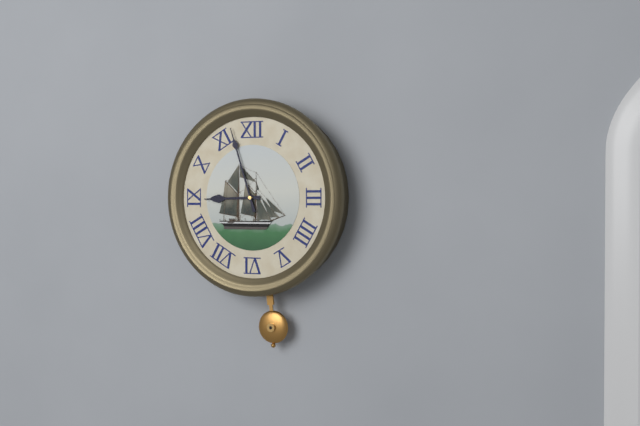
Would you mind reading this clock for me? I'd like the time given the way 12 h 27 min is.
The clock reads 8 h 57 min
